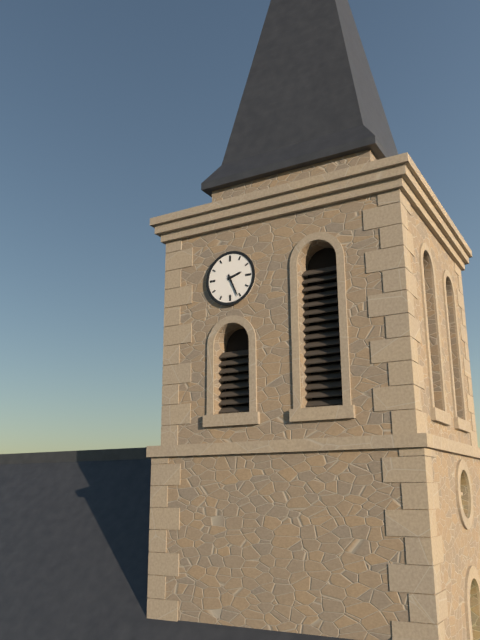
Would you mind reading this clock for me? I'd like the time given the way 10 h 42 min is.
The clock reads 2 h 26 min
